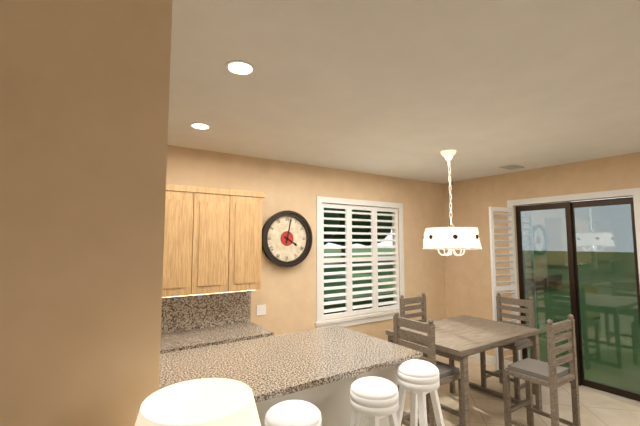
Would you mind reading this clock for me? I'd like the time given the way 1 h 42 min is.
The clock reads 4 h 02 min
